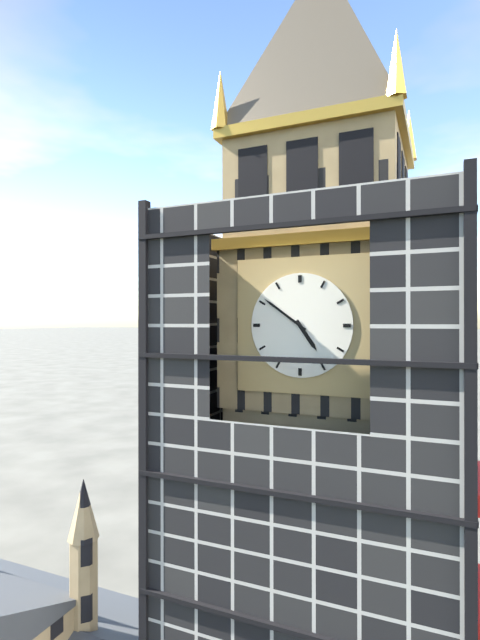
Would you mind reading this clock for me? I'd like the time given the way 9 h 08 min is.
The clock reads 4 h 51 min
